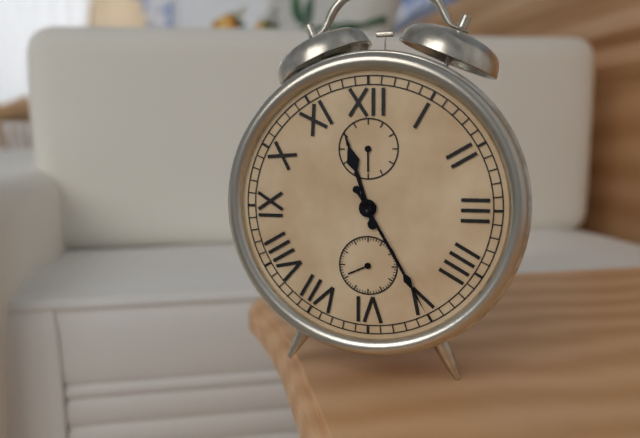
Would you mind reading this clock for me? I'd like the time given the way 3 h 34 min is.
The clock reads 11 h 25 min
